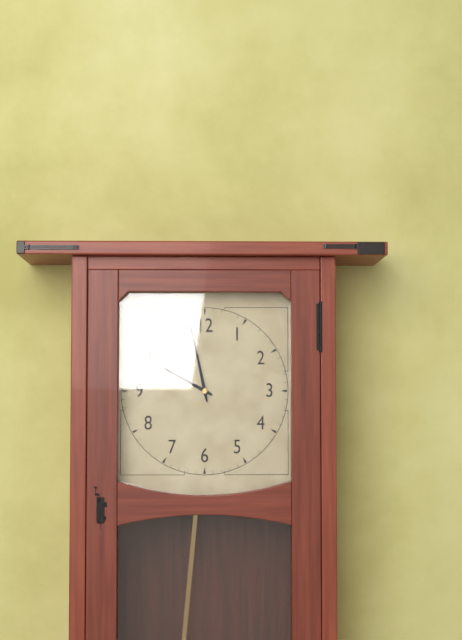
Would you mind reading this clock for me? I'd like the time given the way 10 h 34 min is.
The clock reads 9 h 58 min
